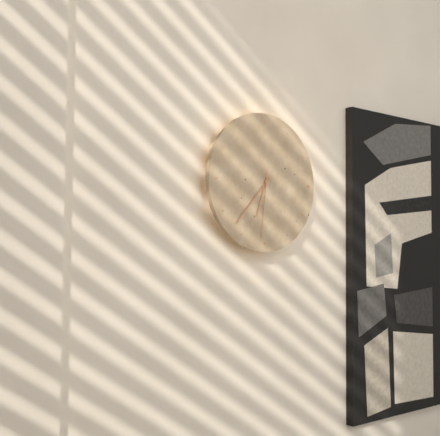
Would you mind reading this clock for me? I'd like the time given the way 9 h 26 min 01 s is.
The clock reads 6 h 37 min 31 s
